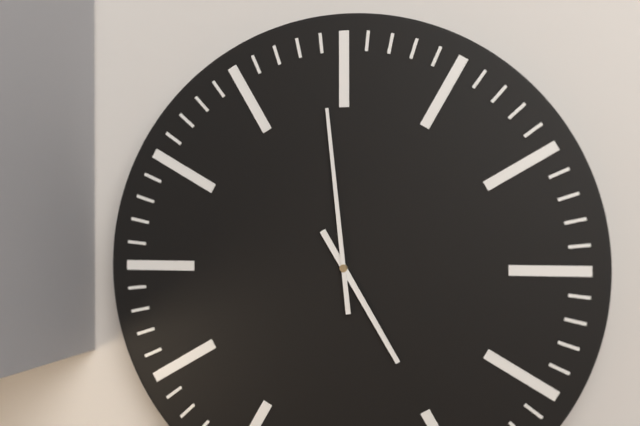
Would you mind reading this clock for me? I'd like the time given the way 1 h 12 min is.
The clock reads 4 h 59 min
